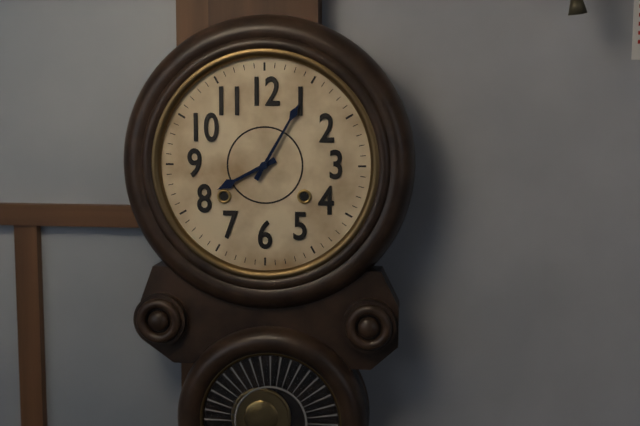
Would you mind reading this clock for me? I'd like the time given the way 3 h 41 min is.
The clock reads 8 h 05 min
